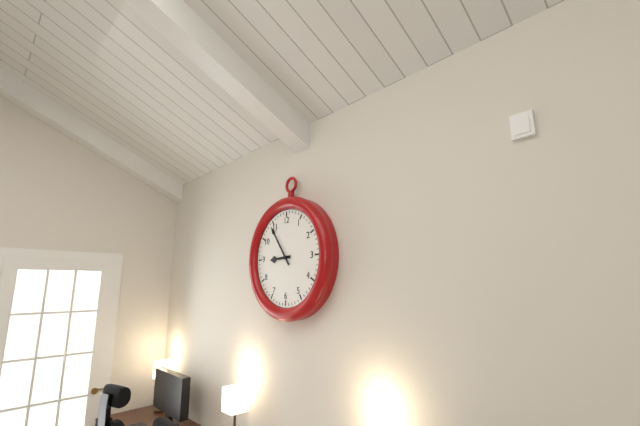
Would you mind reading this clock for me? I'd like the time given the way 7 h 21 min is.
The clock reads 8 h 54 min
